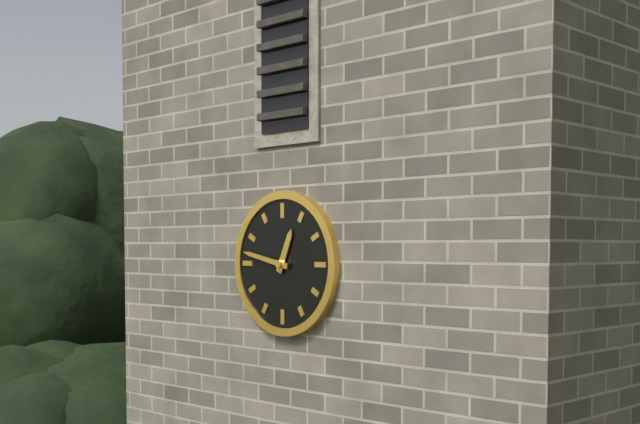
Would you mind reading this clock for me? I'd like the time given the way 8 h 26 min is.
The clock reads 12 h 47 min
